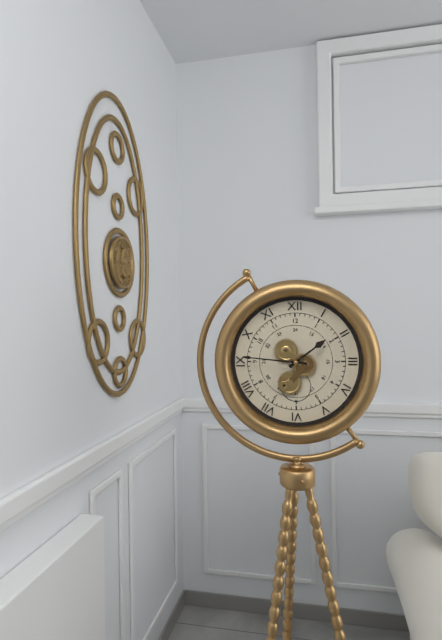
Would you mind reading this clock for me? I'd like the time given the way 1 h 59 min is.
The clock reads 1 h 46 min
